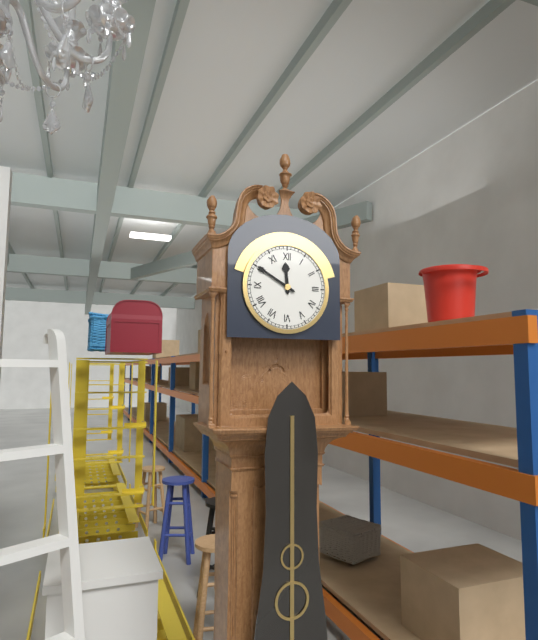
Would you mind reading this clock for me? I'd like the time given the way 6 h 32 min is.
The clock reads 11 h 50 min
